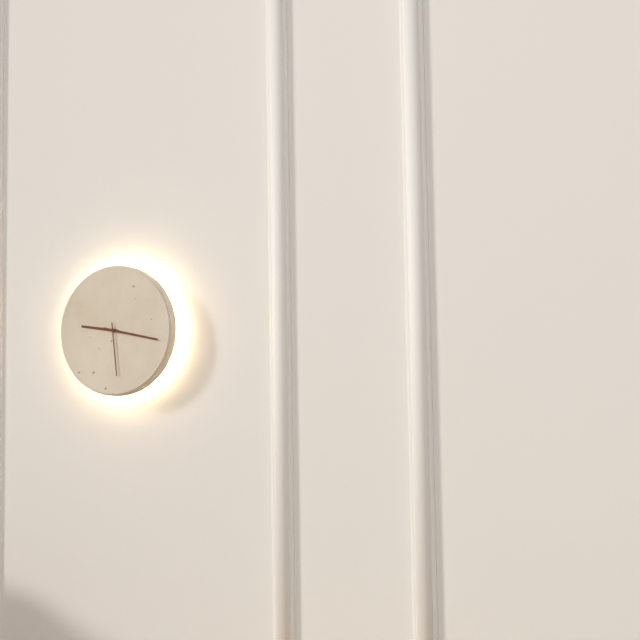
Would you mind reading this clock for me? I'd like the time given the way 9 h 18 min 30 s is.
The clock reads 9 h 17 min 29 s
